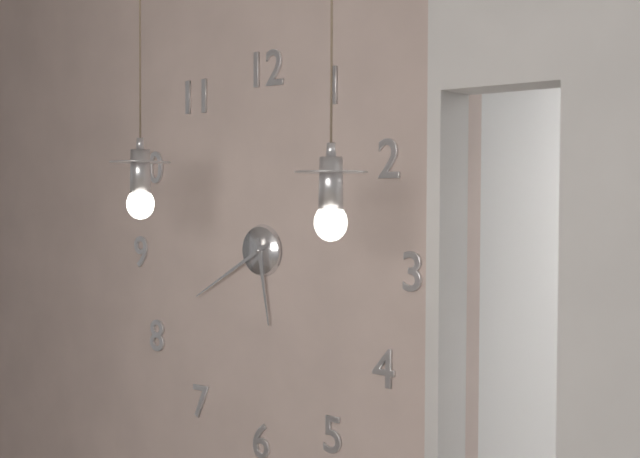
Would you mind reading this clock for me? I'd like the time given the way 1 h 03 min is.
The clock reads 5 h 40 min
